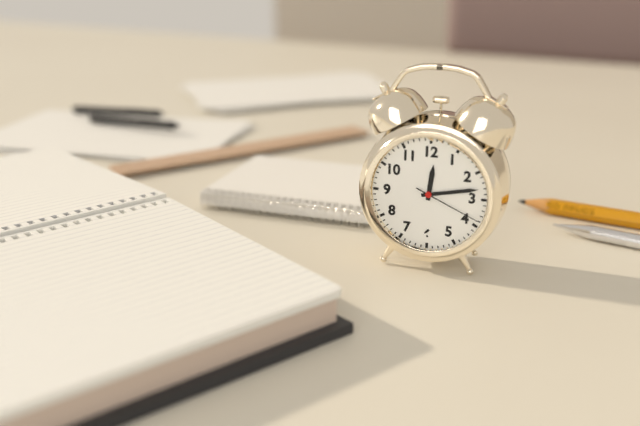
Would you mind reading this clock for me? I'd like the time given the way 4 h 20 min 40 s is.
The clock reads 12 h 13 min 19 s
